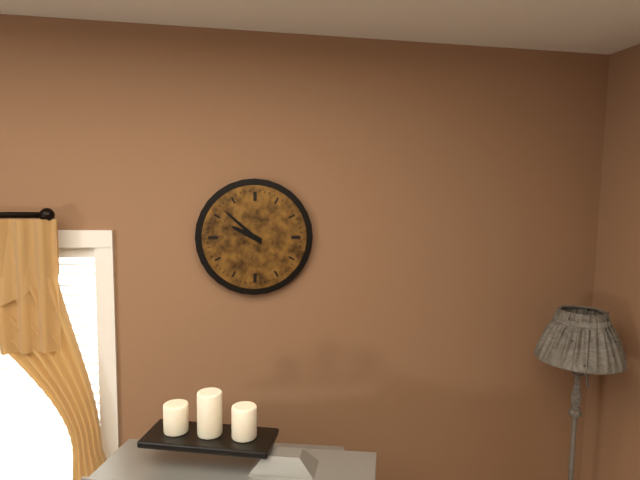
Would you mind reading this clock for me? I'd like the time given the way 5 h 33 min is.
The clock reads 9 h 52 min
